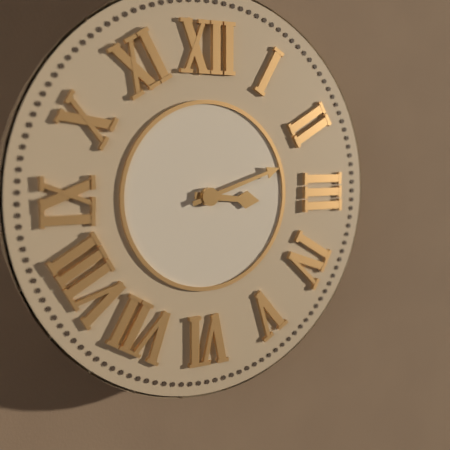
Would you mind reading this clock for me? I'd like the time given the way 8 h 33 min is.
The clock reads 3 h 12 min
